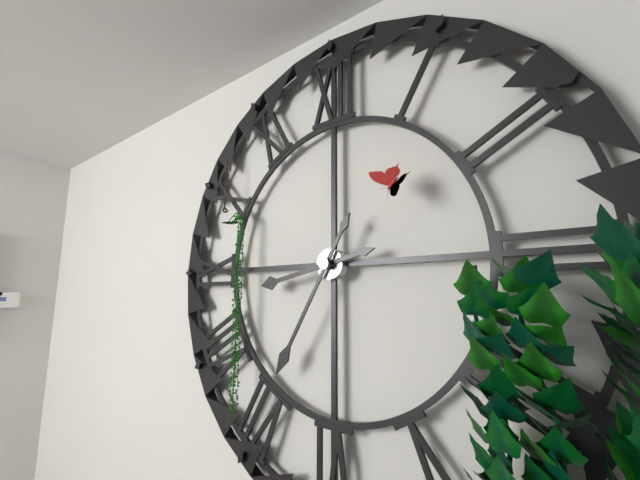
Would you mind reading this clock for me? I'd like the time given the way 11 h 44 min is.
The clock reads 8 h 35 min
